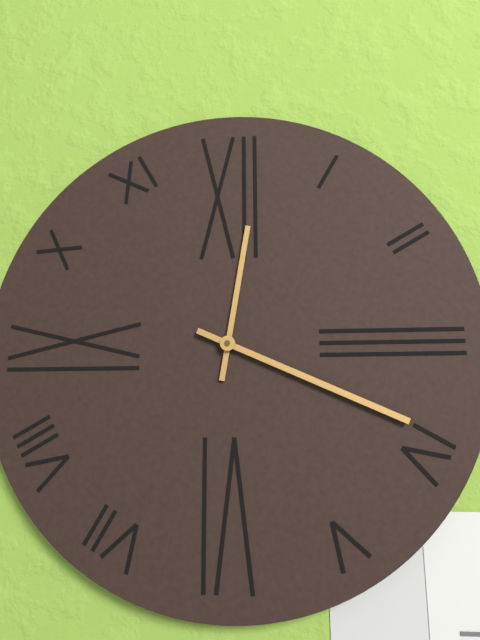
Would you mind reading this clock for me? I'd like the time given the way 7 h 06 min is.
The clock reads 12 h 19 min
